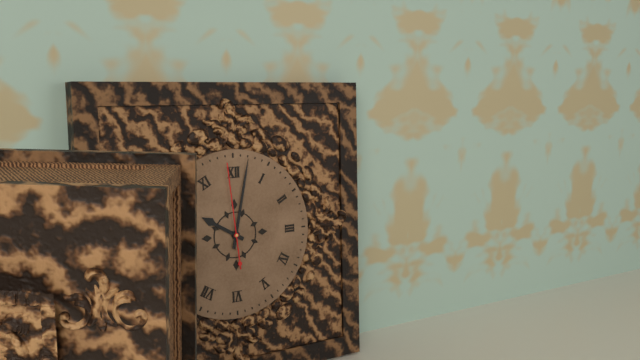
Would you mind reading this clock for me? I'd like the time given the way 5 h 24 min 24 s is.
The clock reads 10 h 02 min 59 s
